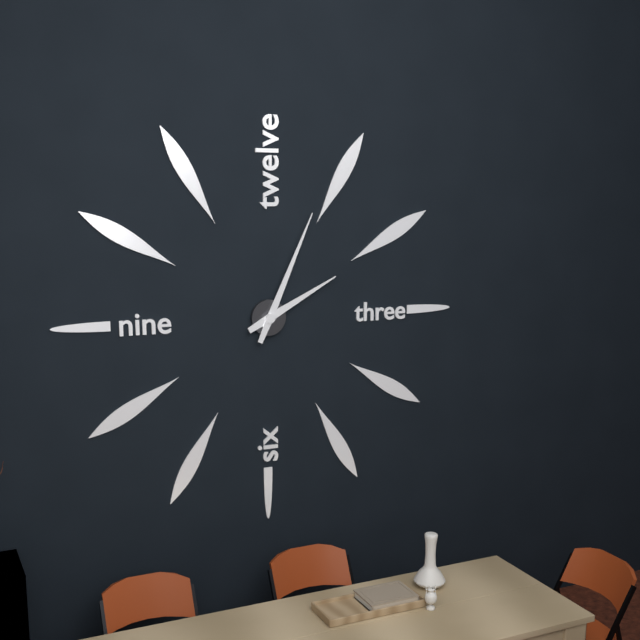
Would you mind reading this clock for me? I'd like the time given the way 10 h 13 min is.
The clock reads 2 h 04 min
